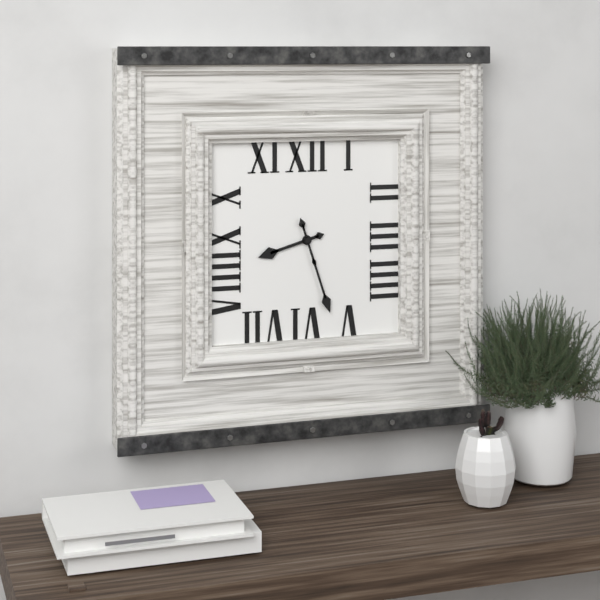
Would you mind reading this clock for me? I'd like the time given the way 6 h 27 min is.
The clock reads 8 h 27 min
